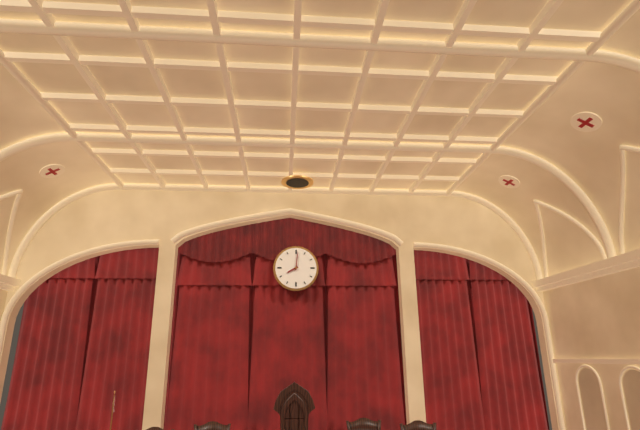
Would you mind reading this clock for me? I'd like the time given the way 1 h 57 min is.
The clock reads 8 h 01 min
